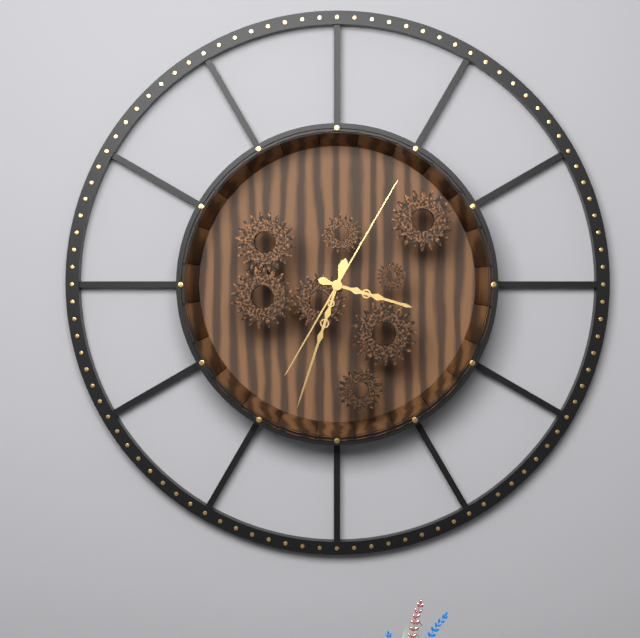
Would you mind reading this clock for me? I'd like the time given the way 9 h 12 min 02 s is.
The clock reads 3 h 33 min 05 s
